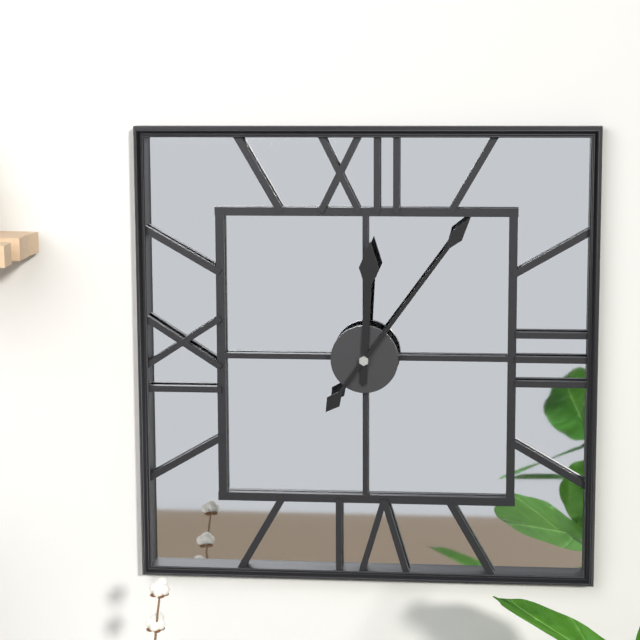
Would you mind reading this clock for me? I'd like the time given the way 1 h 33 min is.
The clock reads 12 h 06 min
